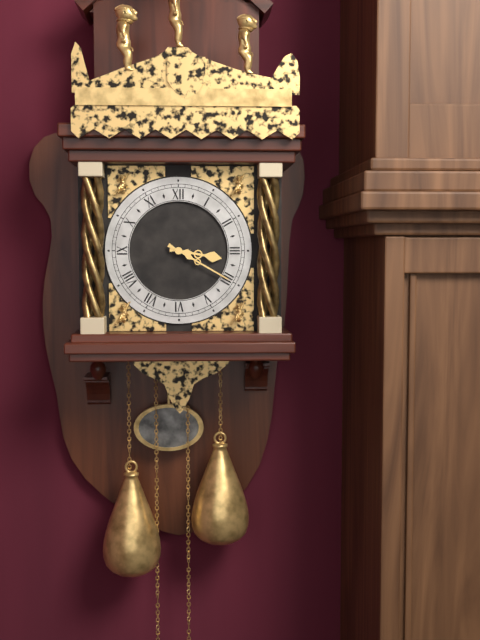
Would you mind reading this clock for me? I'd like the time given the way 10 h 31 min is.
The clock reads 3 h 20 min
